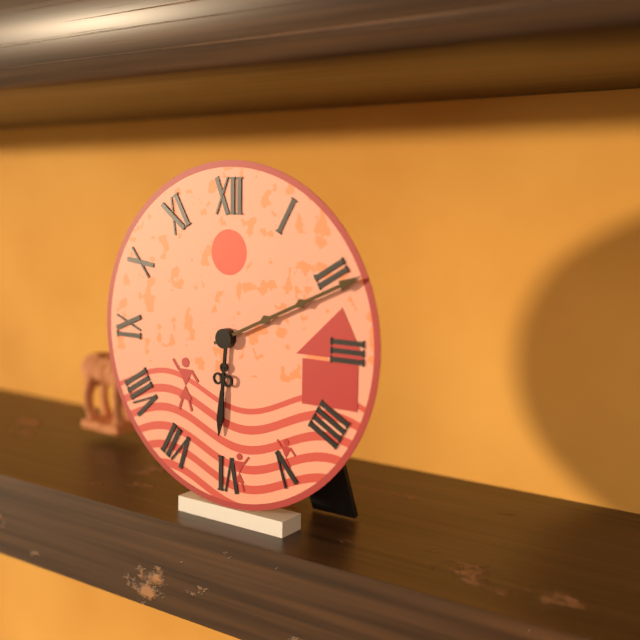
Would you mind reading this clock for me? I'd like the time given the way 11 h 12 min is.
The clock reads 6 h 11 min
